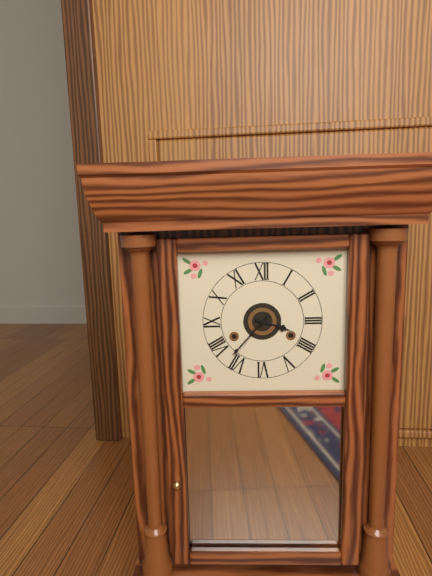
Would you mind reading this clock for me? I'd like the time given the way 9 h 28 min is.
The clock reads 3 h 37 min
